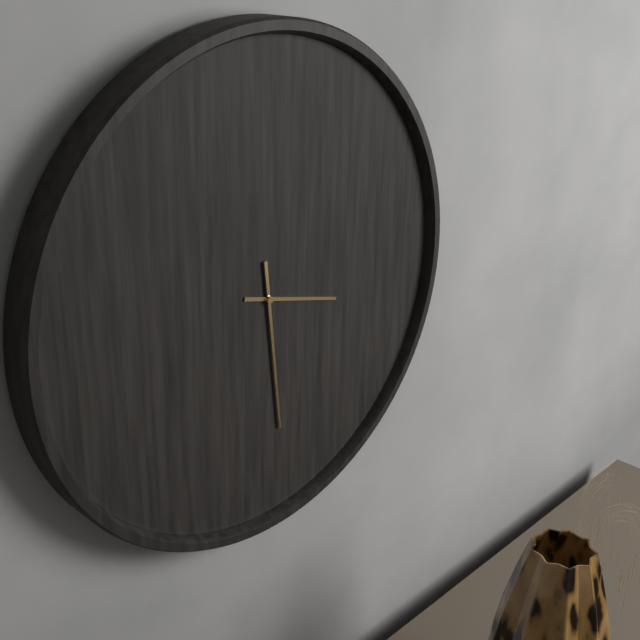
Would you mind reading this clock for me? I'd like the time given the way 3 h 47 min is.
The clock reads 3 h 29 min
